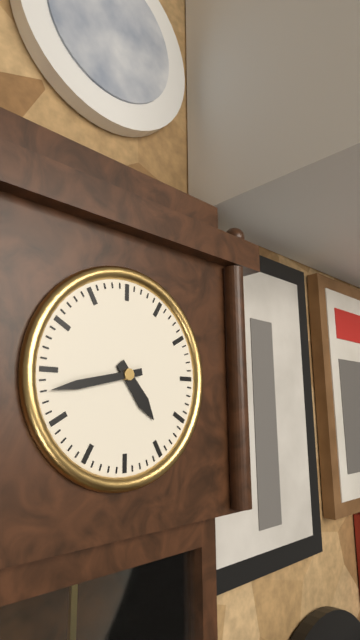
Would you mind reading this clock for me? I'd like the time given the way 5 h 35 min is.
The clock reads 4 h 43 min
